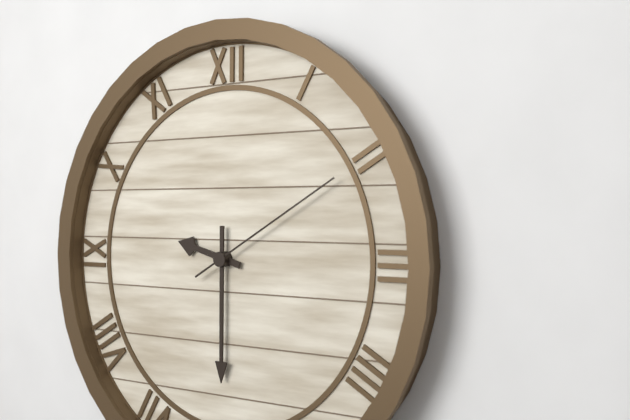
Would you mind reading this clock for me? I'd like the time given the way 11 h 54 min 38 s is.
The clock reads 9 h 30 min 10 s
